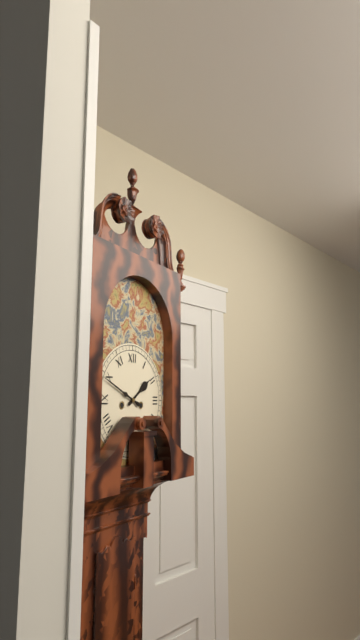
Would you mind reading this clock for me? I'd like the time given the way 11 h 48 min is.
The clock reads 1 h 49 min
